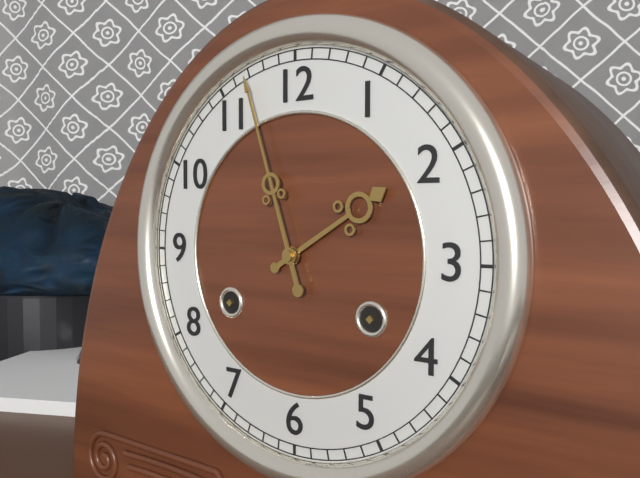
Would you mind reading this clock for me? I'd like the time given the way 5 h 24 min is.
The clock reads 1 h 57 min
